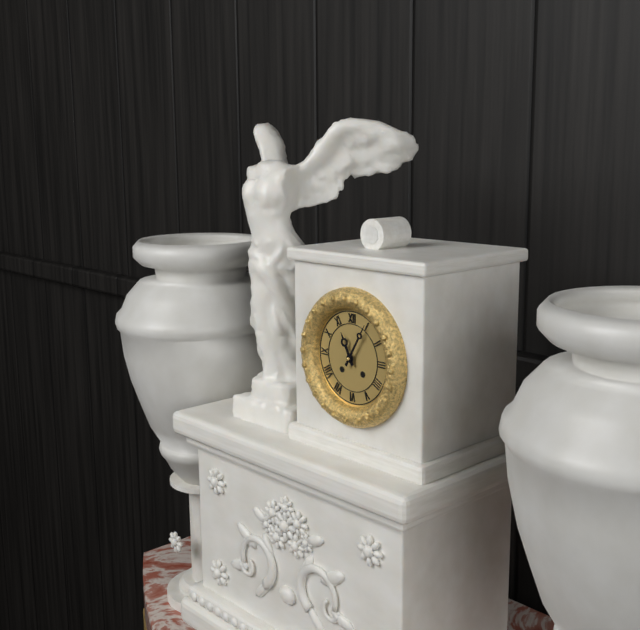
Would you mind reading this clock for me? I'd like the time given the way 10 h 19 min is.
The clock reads 11 h 05 min
